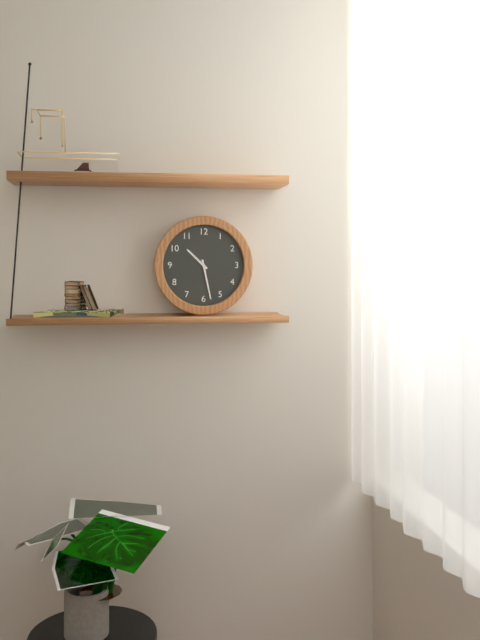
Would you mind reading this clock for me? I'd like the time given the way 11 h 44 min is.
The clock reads 10 h 28 min
